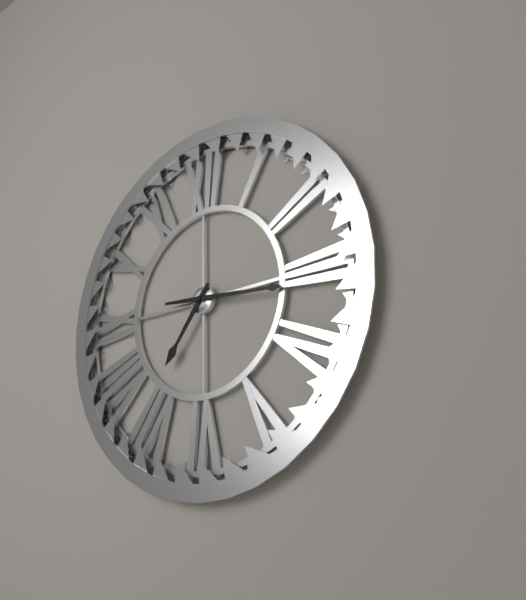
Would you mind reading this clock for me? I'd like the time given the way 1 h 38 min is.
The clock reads 7 h 16 min
